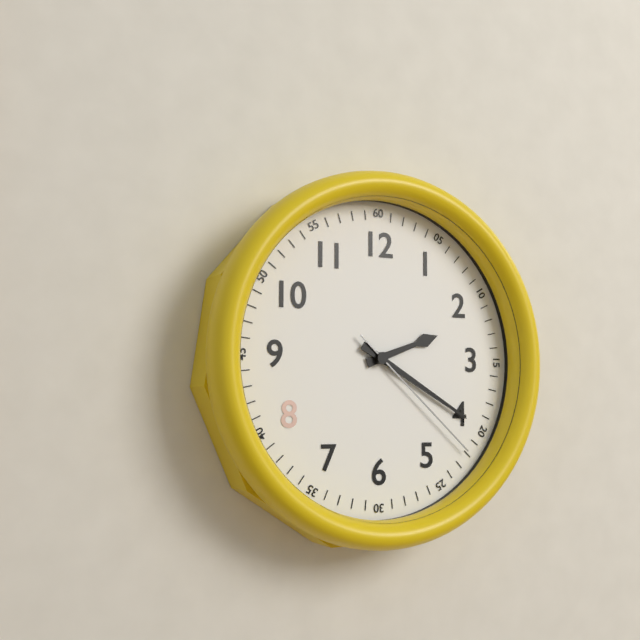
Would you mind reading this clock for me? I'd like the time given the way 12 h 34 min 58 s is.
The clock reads 2 h 20 min 22 s
